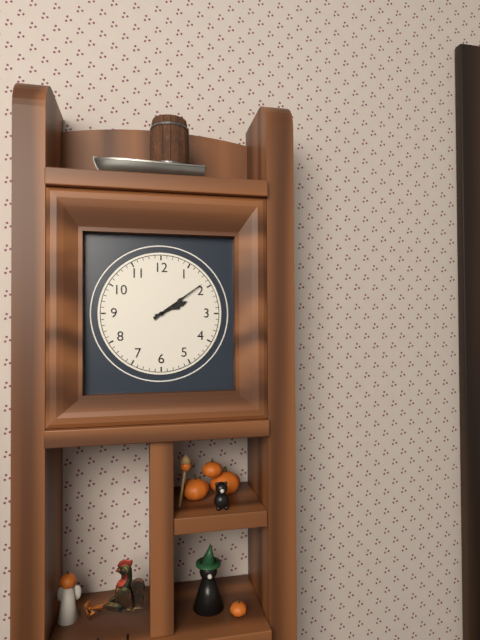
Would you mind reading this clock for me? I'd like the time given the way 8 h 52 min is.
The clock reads 2 h 09 min
